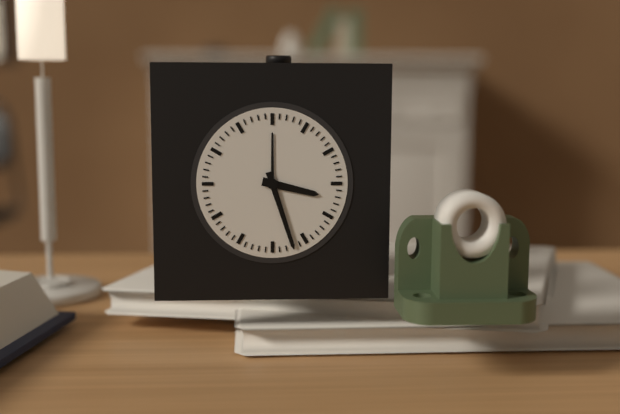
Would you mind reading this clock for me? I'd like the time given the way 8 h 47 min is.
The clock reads 3 h 27 min
